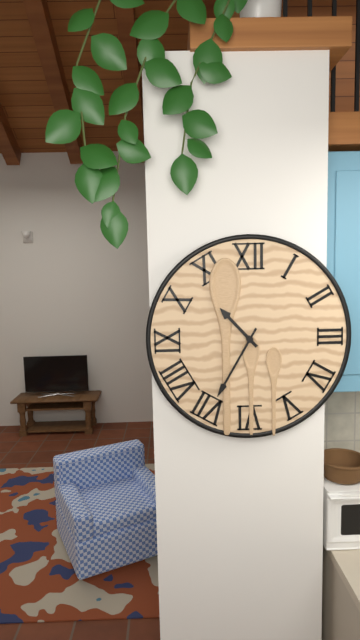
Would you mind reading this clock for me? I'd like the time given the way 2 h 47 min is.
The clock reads 10 h 35 min
